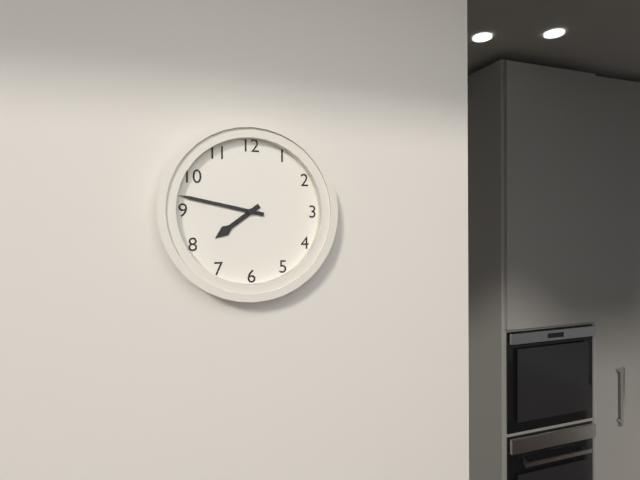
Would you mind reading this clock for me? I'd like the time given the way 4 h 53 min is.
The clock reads 7 h 47 min
